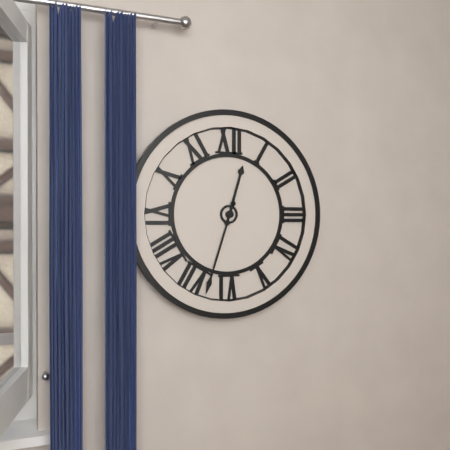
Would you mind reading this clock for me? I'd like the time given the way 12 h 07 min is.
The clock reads 12 h 33 min
